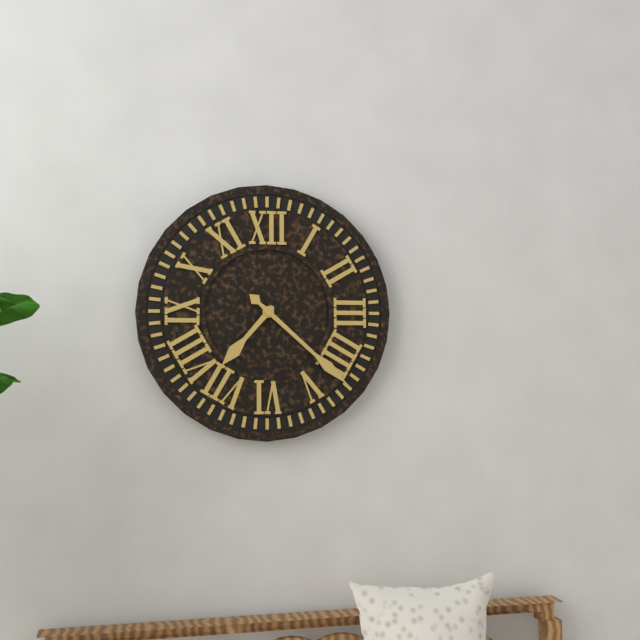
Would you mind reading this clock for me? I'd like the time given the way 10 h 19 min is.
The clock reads 7 h 22 min
